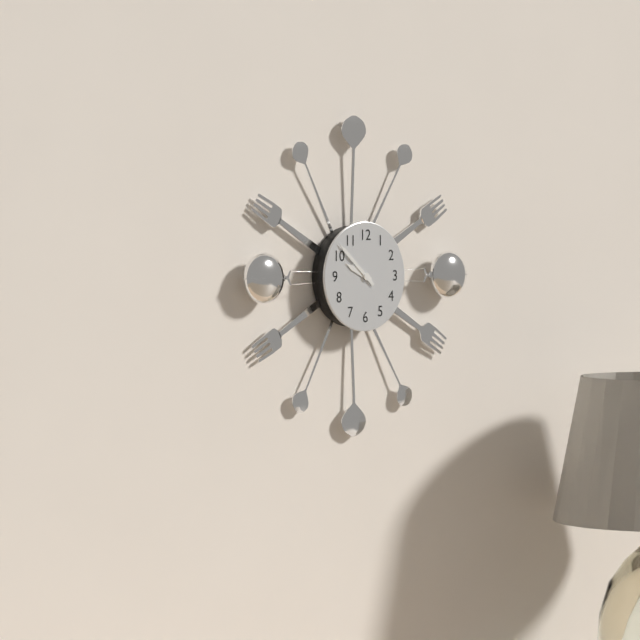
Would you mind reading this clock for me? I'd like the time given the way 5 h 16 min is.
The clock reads 9 h 52 min
